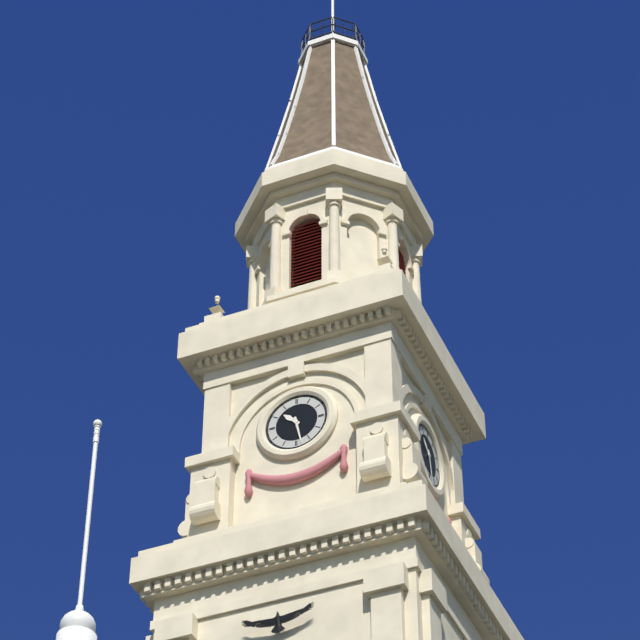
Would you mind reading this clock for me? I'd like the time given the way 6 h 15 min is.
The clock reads 10 h 28 min
